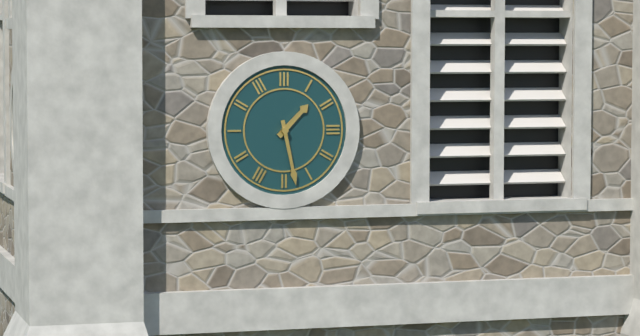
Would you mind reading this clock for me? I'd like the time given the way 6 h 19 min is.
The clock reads 1 h 28 min
